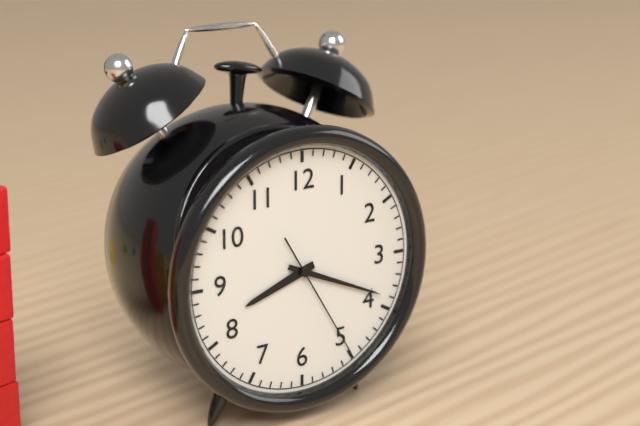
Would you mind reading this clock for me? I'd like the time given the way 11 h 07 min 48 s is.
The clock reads 8 h 19 min 25 s
